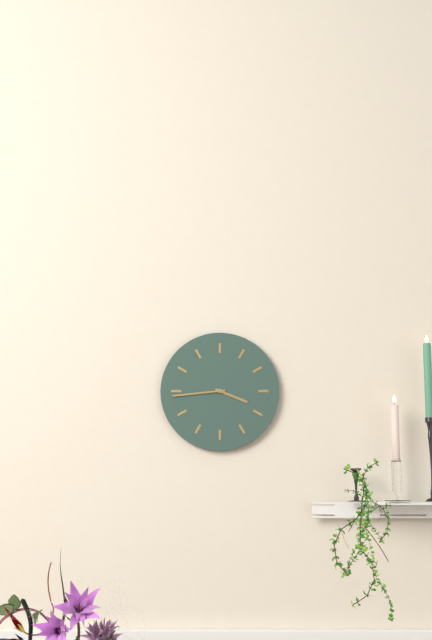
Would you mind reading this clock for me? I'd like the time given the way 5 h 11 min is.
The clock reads 3 h 44 min
